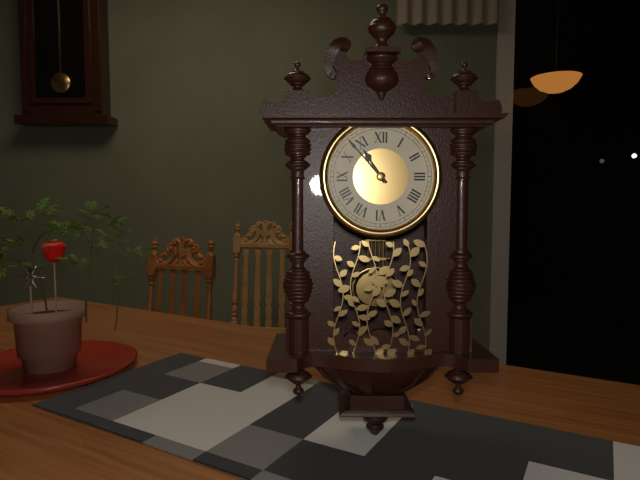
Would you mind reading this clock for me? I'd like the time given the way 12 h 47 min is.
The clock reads 10 h 53 min
